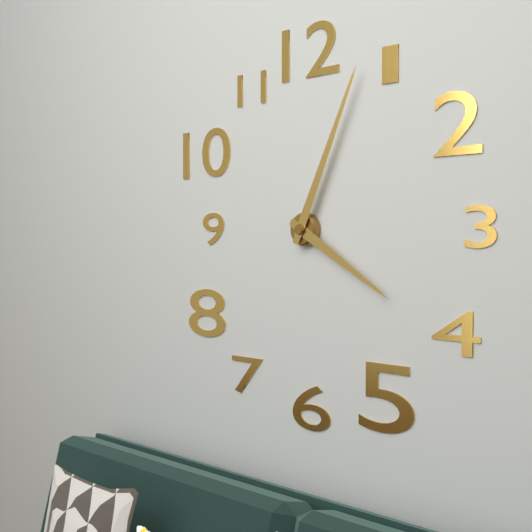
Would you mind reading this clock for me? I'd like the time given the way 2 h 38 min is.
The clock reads 4 h 04 min
